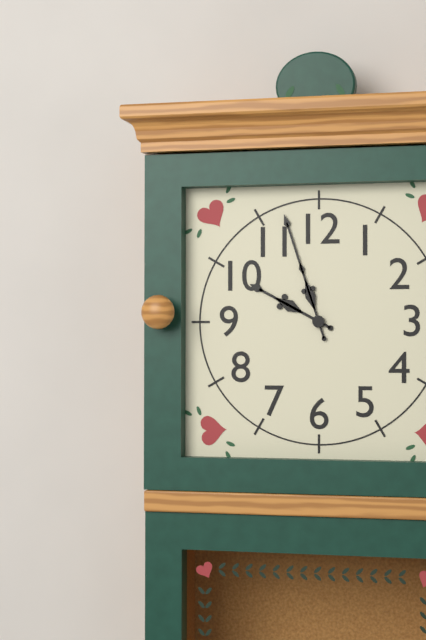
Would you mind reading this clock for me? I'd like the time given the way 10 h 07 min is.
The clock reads 9 h 57 min
